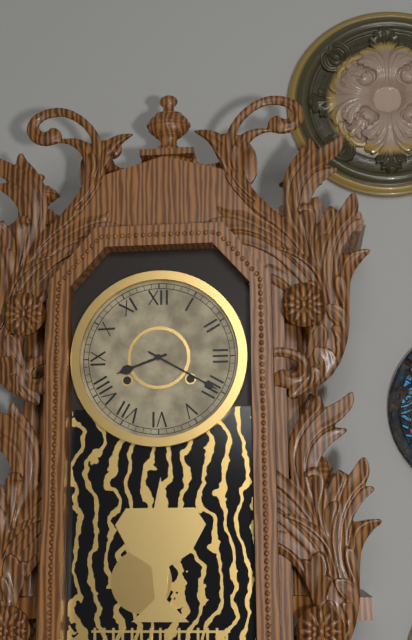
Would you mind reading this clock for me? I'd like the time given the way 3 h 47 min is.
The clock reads 8 h 20 min
